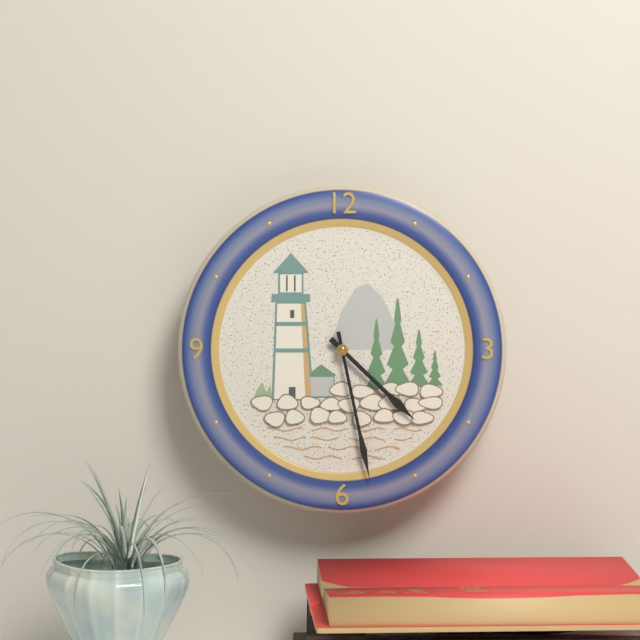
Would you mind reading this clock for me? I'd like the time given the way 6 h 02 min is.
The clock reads 4 h 28 min
